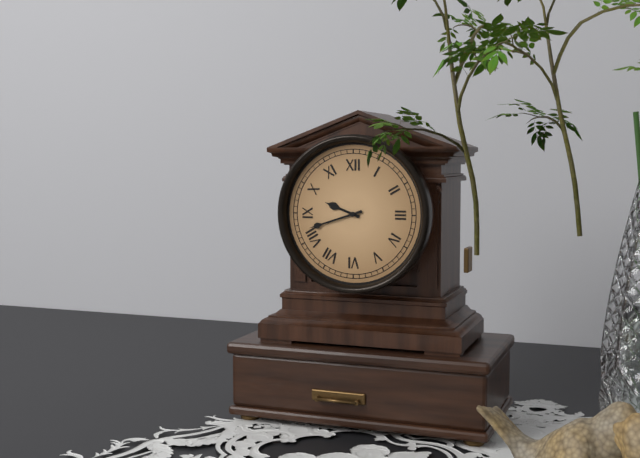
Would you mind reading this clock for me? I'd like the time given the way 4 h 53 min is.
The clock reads 9 h 42 min
